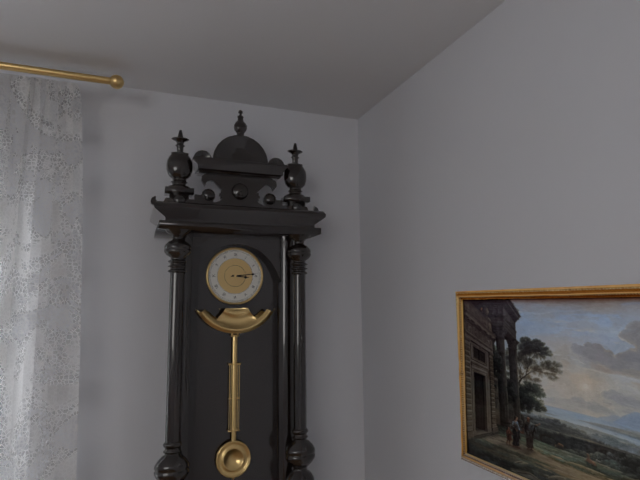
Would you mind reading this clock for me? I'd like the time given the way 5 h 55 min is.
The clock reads 3 h 14 min
